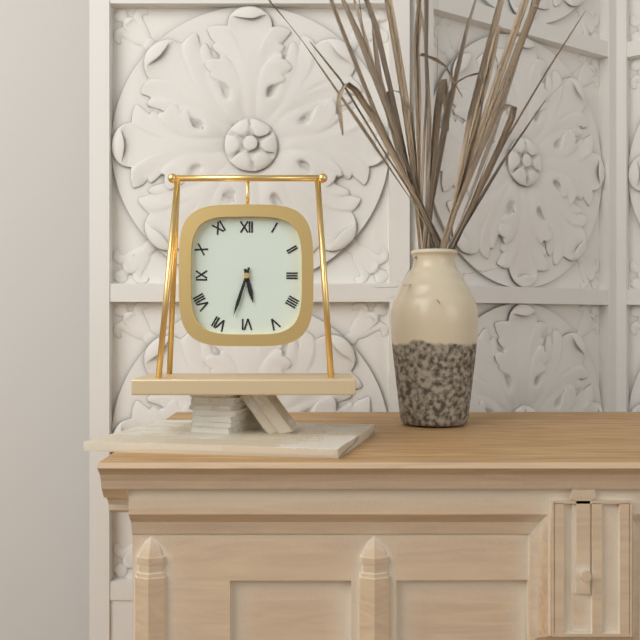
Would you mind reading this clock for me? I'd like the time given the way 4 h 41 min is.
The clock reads 5 h 33 min
